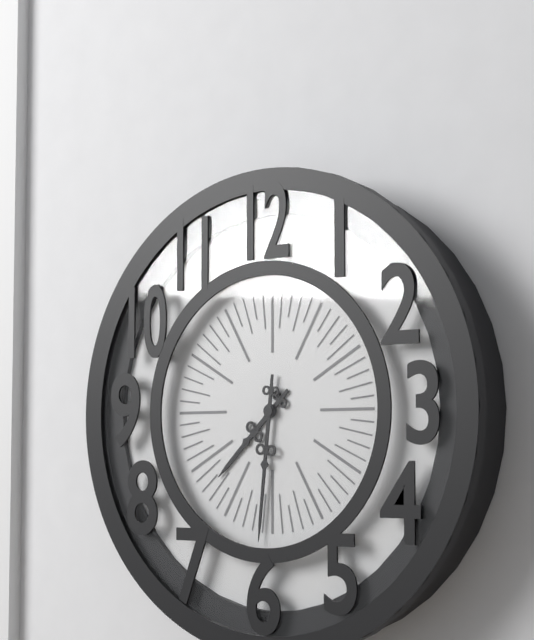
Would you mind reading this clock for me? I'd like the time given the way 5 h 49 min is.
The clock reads 7 h 31 min
